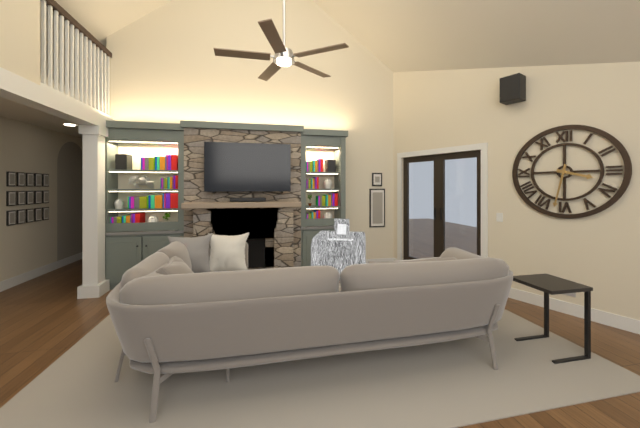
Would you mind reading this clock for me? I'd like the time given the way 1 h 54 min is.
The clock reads 3 h 32 min
